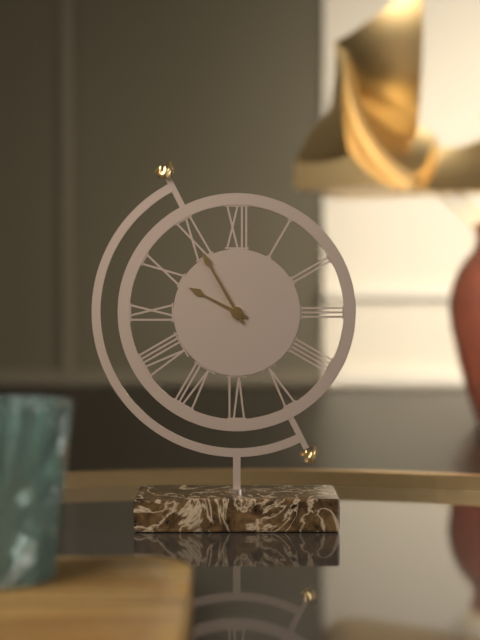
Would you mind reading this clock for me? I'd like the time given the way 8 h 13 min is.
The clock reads 9 h 55 min
